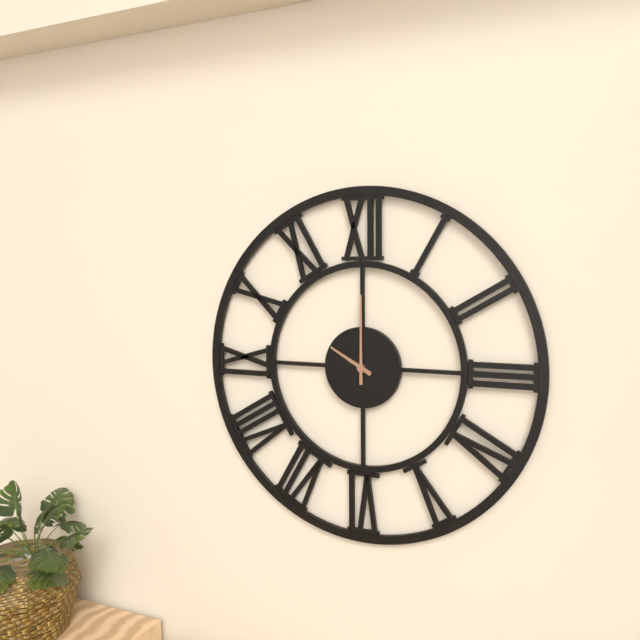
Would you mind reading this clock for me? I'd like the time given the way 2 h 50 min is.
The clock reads 10 h 00 min
